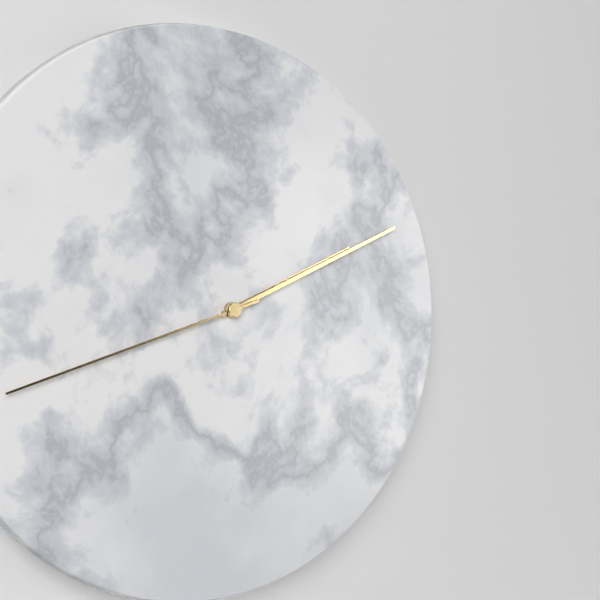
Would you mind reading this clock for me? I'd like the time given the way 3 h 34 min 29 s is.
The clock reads 2 h 11 min 42 s
